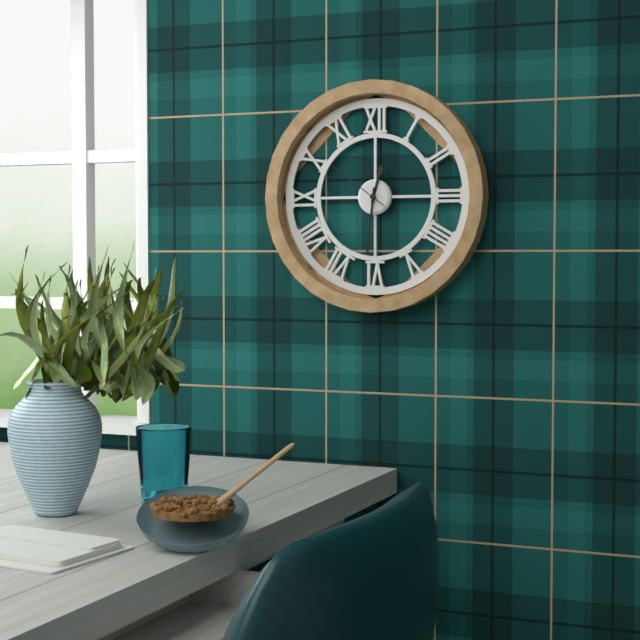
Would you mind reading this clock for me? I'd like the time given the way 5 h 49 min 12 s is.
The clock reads 12 h 31 min 51 s
